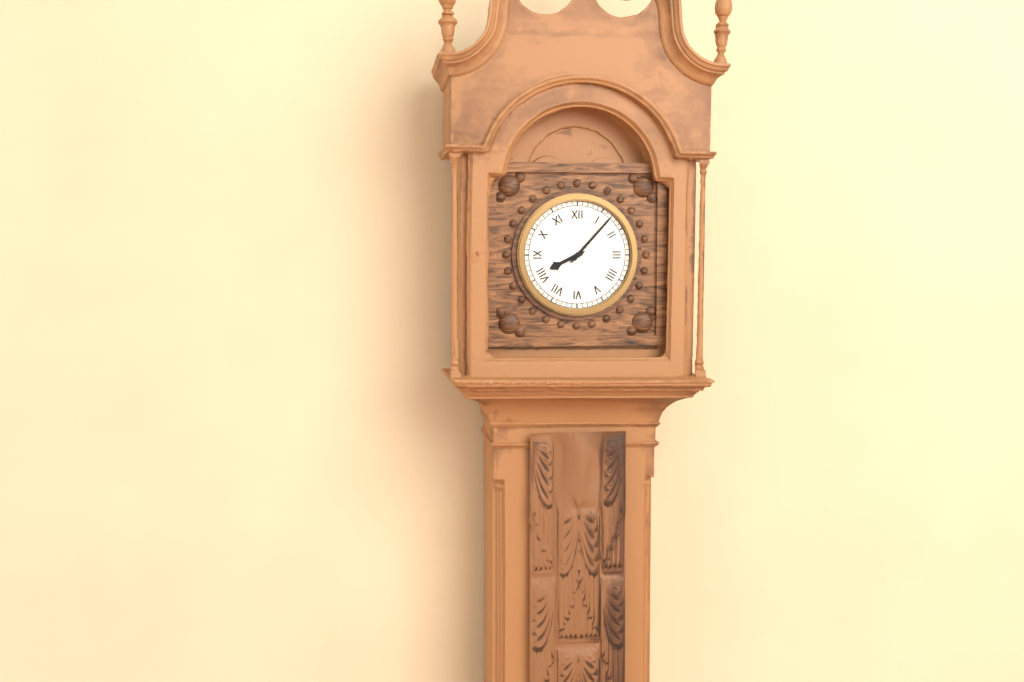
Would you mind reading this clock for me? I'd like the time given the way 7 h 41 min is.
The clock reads 8 h 07 min
